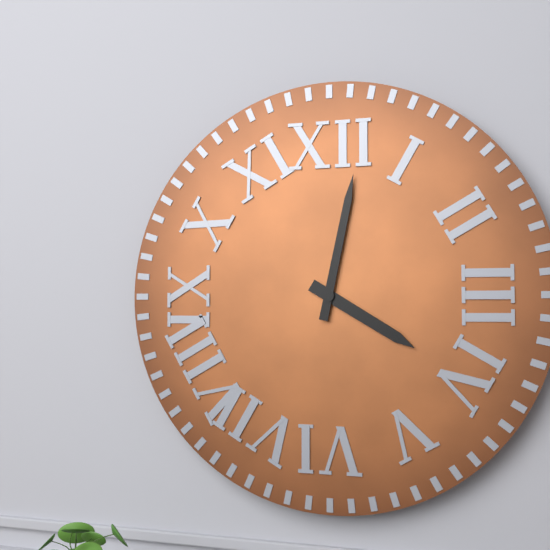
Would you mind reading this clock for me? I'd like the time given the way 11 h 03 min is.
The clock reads 4 h 02 min
